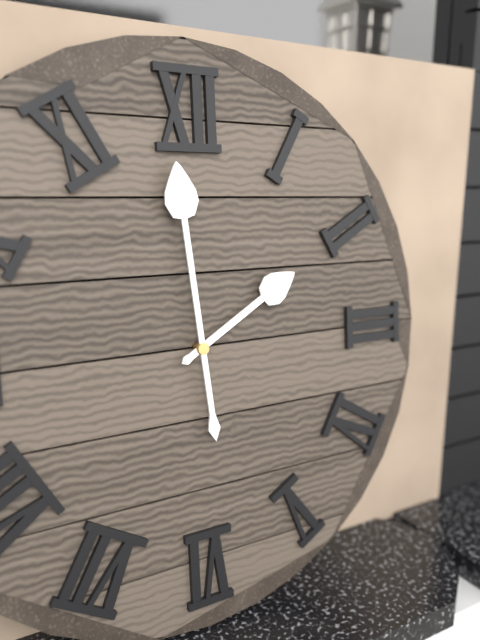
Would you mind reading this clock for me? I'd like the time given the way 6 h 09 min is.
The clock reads 1 h 59 min
